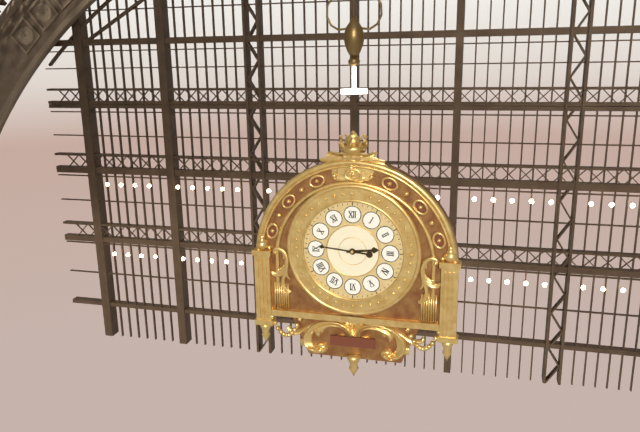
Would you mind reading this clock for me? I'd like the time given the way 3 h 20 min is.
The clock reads 2 h 46 min
